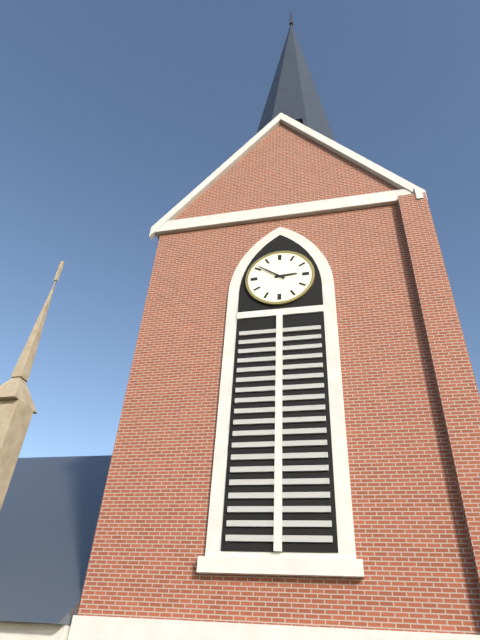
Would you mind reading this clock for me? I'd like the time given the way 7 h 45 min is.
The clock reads 2 h 51 min
